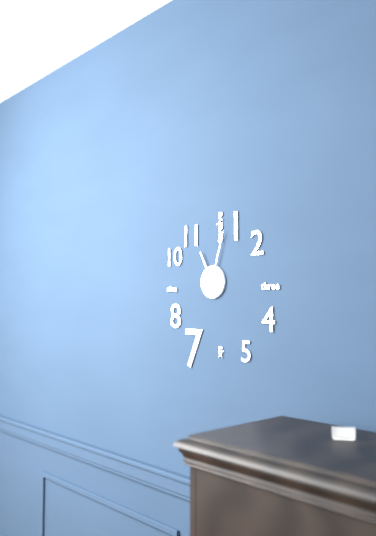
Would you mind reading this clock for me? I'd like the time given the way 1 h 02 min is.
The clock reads 11 h 03 min
